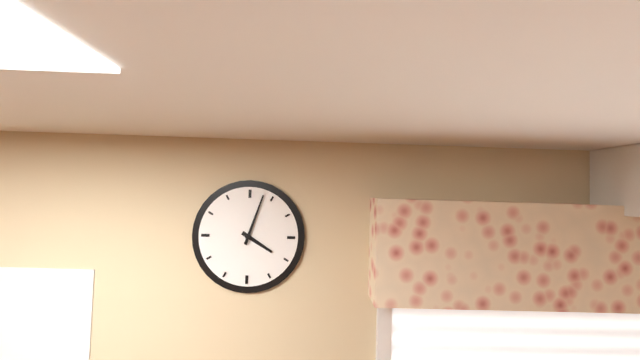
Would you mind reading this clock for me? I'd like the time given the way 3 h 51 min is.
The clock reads 4 h 03 min
